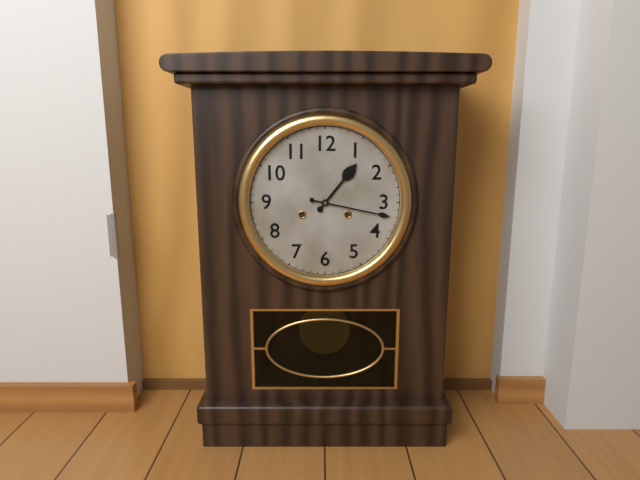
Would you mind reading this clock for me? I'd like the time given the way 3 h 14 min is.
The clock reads 1 h 17 min
